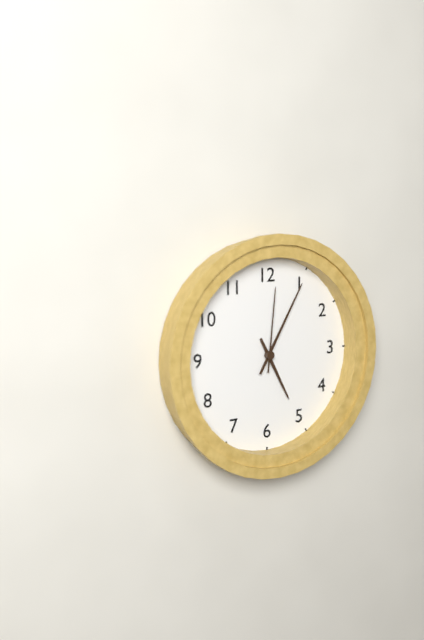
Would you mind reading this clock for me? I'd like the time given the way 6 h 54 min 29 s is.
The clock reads 5 h 05 min 01 s
